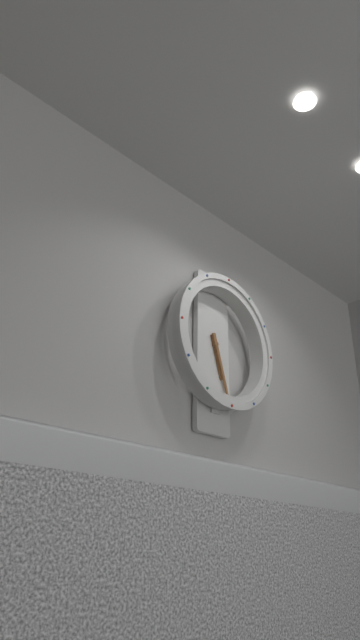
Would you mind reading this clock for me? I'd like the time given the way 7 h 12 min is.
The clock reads 5 h 27 min
